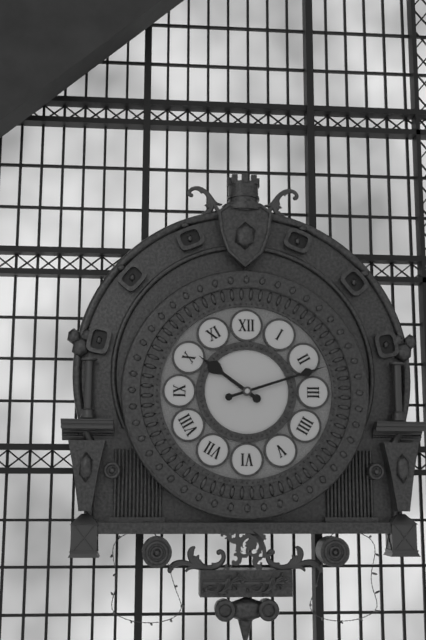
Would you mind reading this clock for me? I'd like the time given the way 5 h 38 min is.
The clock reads 10 h 12 min
